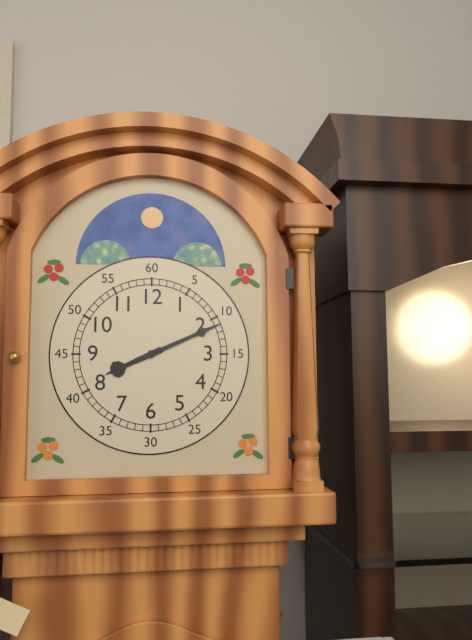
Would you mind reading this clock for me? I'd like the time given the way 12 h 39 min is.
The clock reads 8 h 11 min
